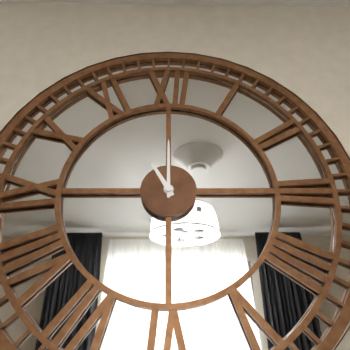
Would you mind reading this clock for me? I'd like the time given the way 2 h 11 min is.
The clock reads 11 h 00 min
